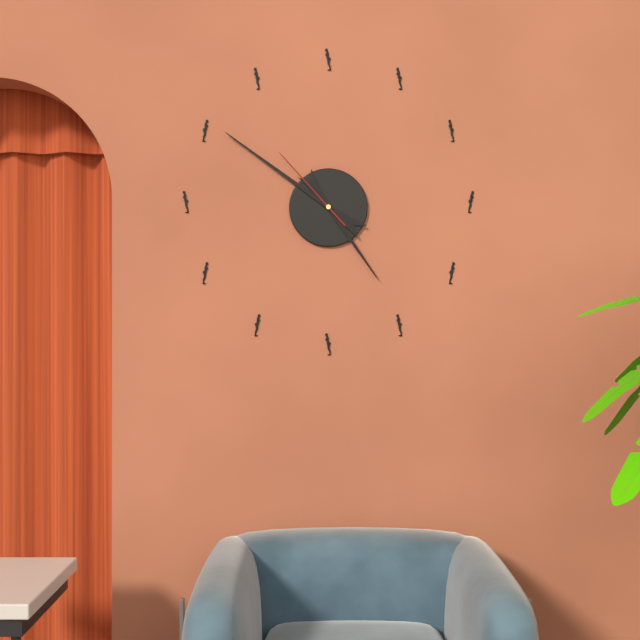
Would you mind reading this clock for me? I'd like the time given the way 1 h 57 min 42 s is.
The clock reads 4 h 51 min 53 s
